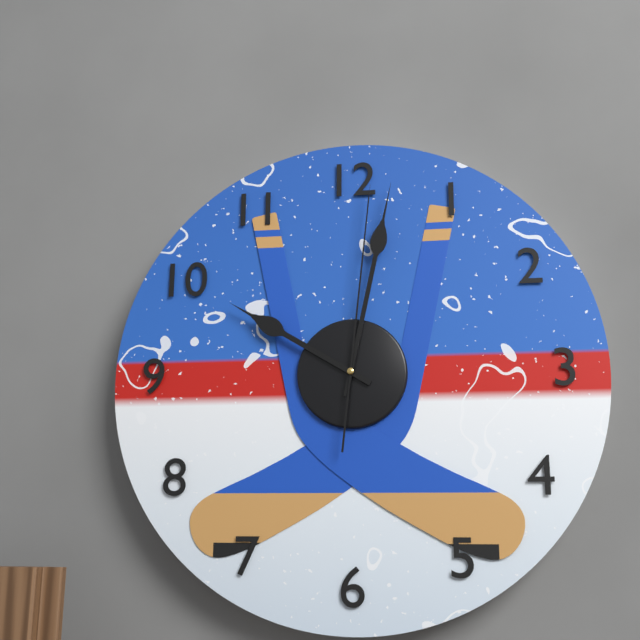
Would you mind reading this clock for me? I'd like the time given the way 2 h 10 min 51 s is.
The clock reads 10 h 02 min 01 s
